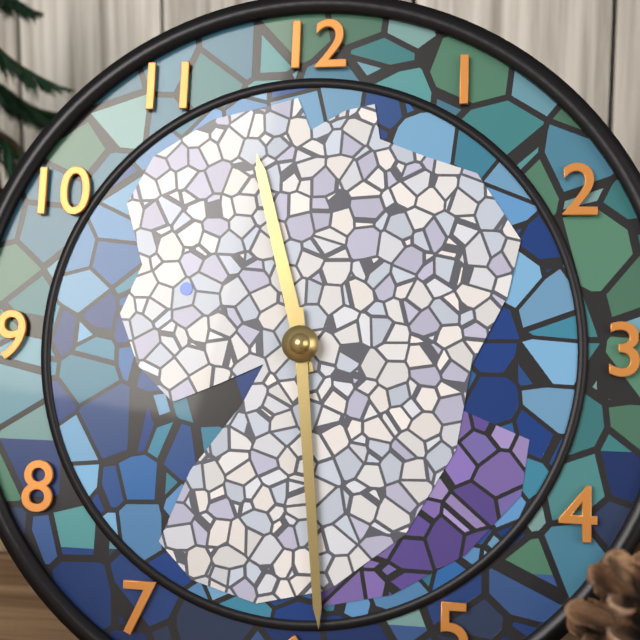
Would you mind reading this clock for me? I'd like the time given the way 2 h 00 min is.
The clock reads 11 h 29 min
